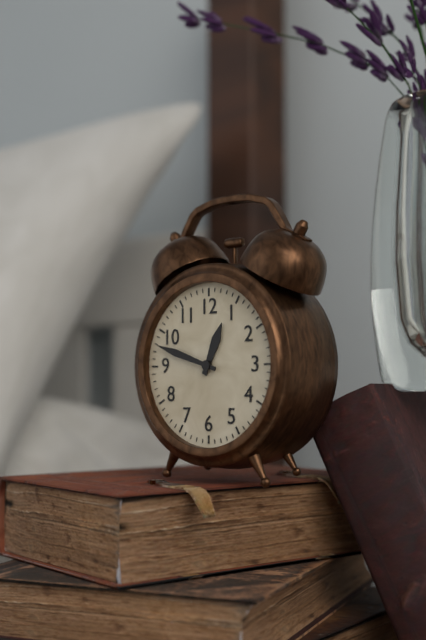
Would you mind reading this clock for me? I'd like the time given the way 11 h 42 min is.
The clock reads 12 h 48 min
